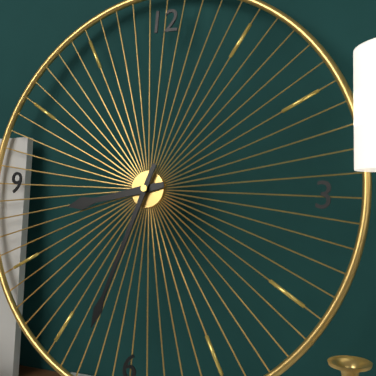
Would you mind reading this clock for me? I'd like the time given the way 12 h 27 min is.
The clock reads 8 h 33 min
